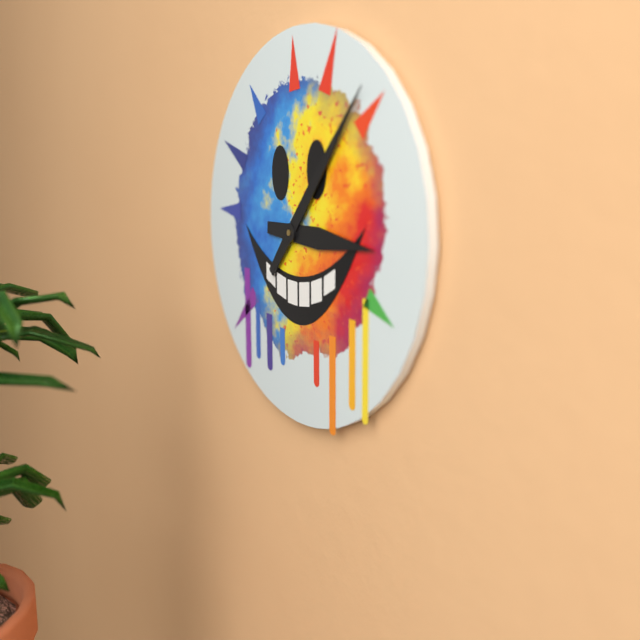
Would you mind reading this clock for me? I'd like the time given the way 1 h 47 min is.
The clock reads 3 h 07 min
